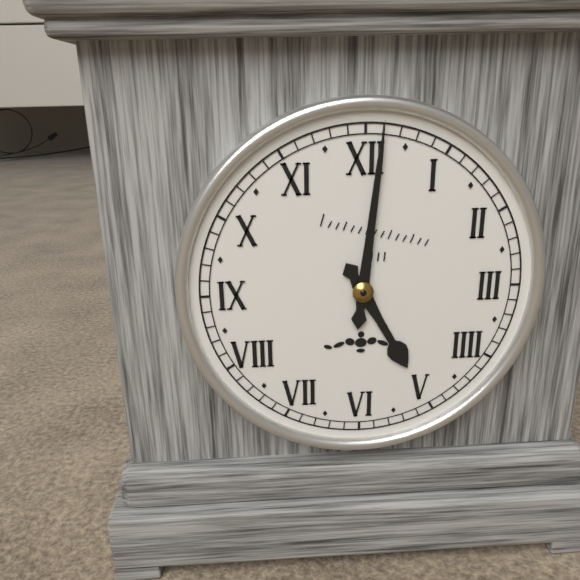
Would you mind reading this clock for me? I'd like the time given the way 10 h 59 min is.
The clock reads 5 h 01 min
